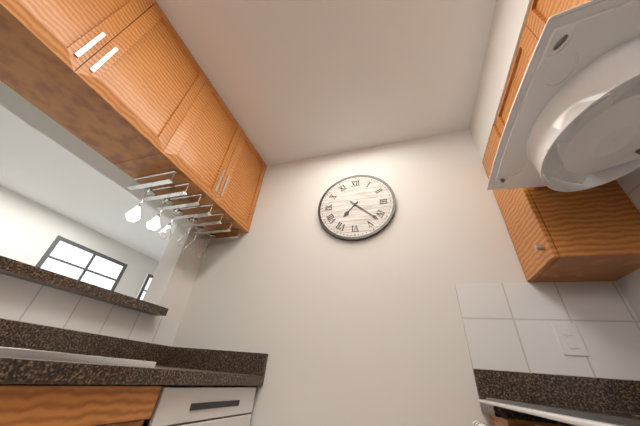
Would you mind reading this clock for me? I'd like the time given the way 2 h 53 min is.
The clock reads 7 h 22 min
